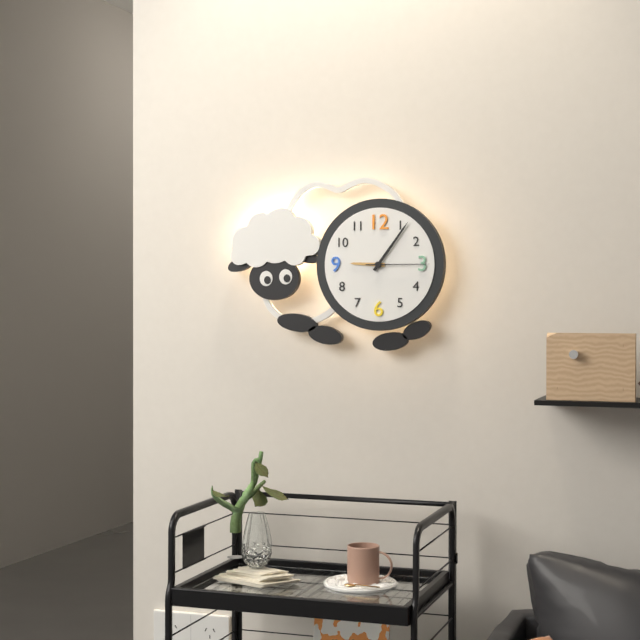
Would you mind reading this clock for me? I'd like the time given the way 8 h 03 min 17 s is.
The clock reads 9 h 06 min 15 s
